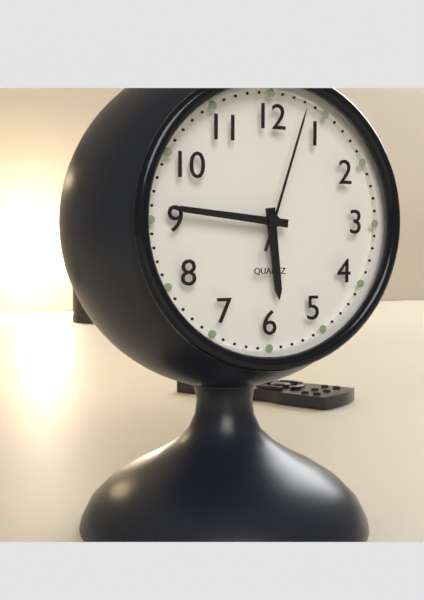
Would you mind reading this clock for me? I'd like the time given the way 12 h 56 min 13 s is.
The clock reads 5 h 46 min 03 s
